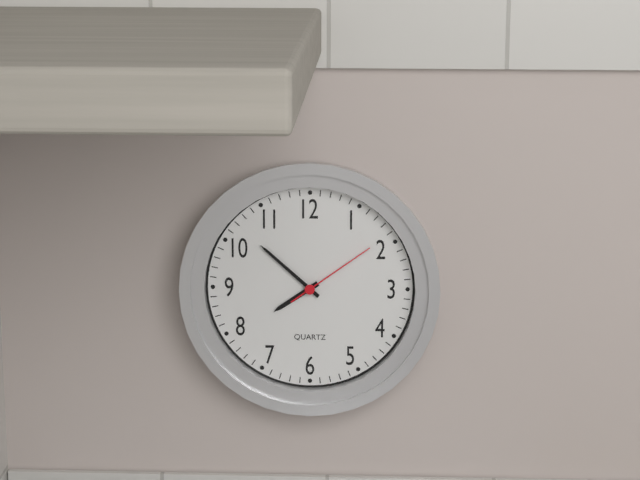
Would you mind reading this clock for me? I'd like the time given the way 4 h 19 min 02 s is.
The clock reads 7 h 52 min 09 s
